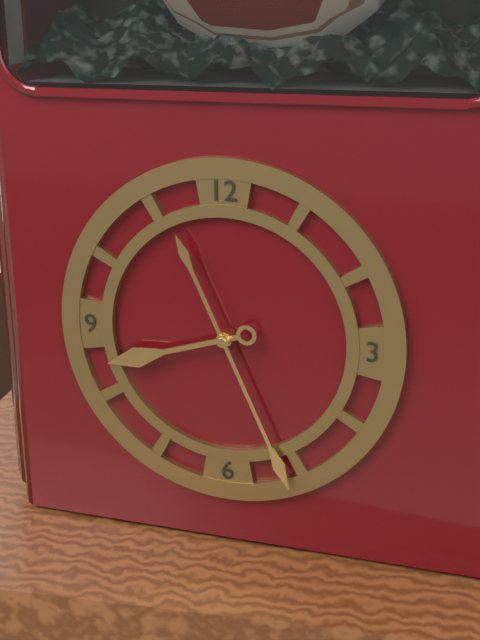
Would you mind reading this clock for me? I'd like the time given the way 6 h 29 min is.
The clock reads 8 h 26 min
